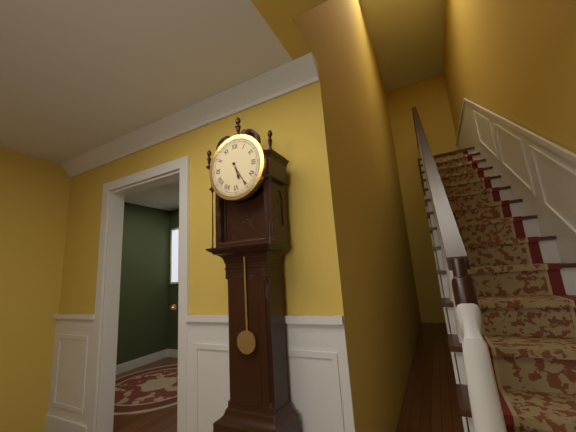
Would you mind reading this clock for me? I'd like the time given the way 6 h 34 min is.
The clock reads 5 h 25 min
